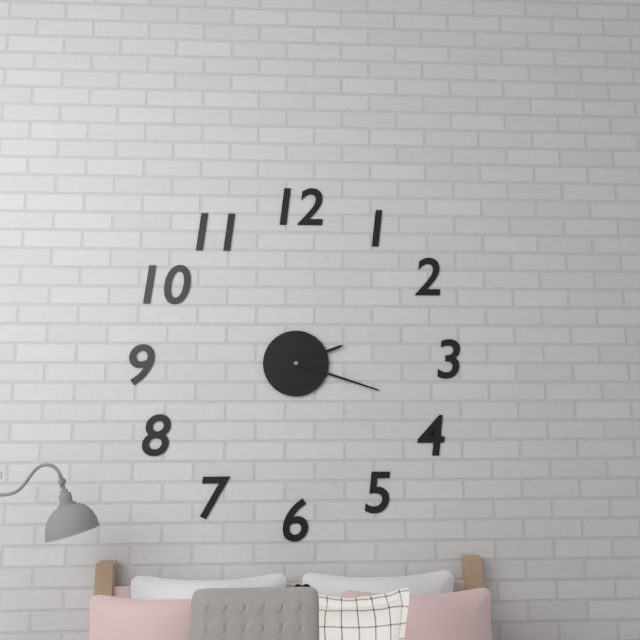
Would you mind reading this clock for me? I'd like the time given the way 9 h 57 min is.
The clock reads 2 h 18 min
